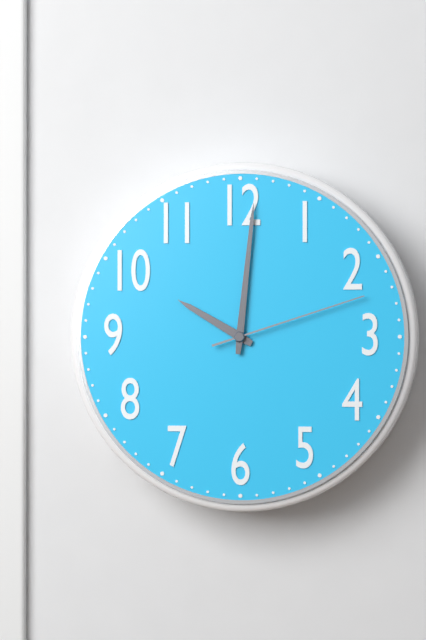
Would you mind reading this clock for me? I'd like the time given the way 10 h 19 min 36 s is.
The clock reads 10 h 01 min 12 s
